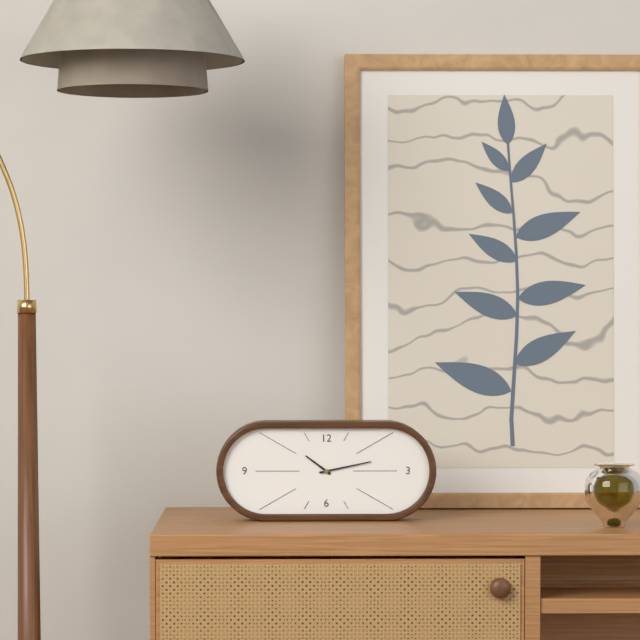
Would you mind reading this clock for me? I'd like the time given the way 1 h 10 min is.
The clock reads 10 h 13 min
